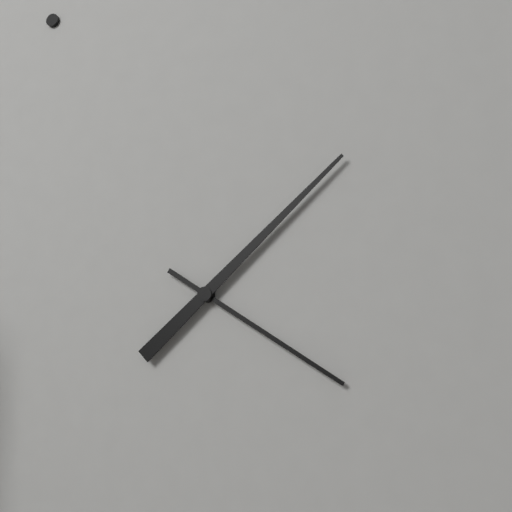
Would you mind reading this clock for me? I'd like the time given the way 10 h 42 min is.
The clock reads 4 h 08 min
